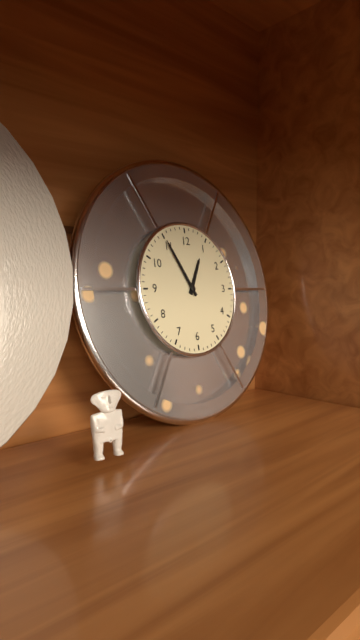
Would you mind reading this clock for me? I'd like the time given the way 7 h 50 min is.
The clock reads 12 h 55 min
